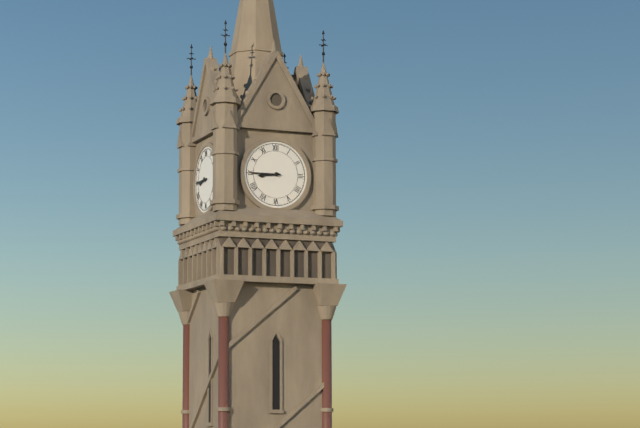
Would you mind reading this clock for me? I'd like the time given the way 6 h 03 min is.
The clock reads 8 h 45 min
